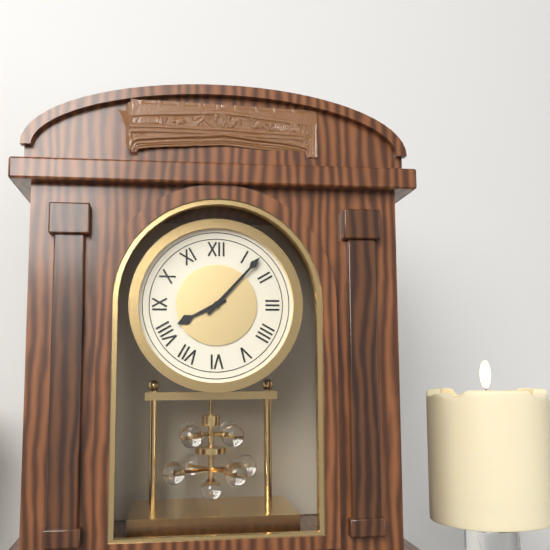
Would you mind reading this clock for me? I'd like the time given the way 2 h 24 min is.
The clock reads 8 h 07 min
